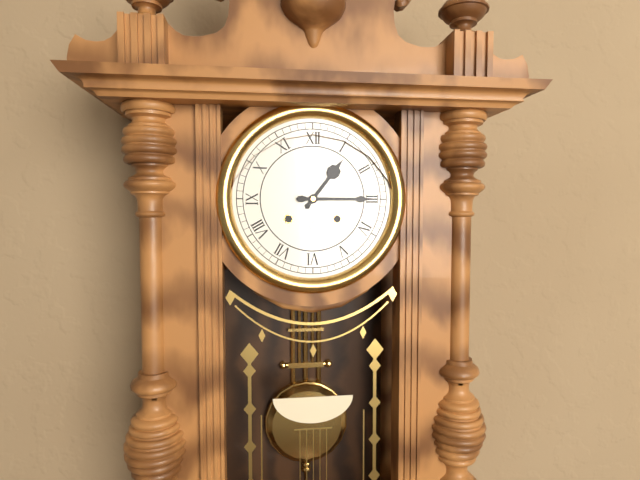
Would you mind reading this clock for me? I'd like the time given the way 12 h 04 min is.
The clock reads 1 h 15 min
